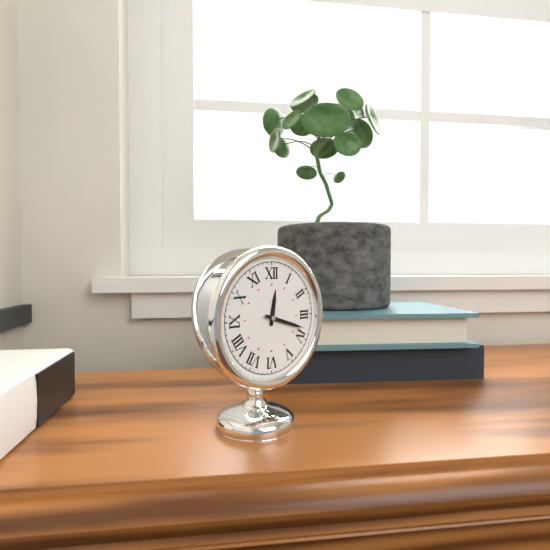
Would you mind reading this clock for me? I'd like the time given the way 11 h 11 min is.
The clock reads 12 h 18 min
